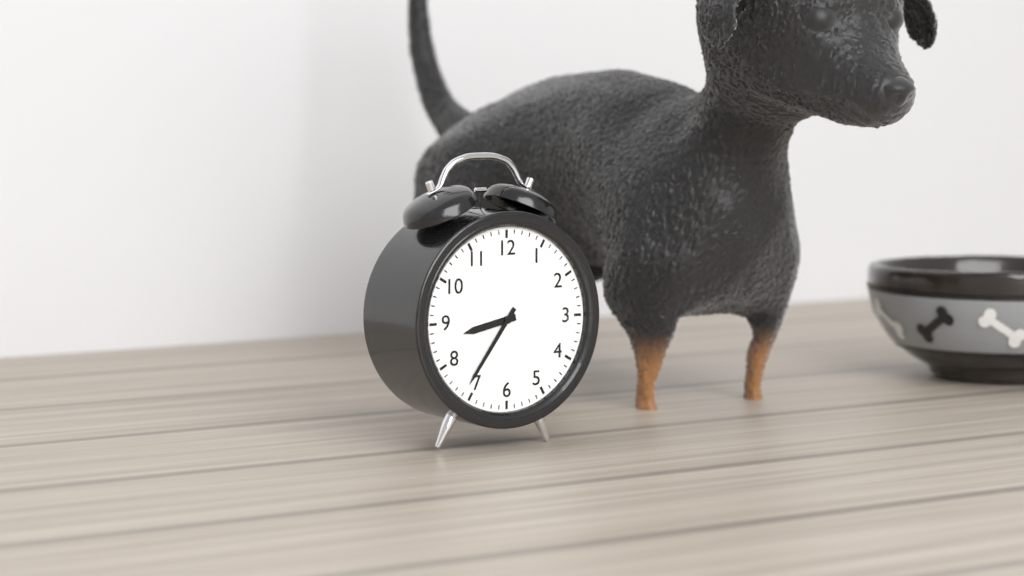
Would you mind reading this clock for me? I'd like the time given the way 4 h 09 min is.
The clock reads 8 h 36 min
